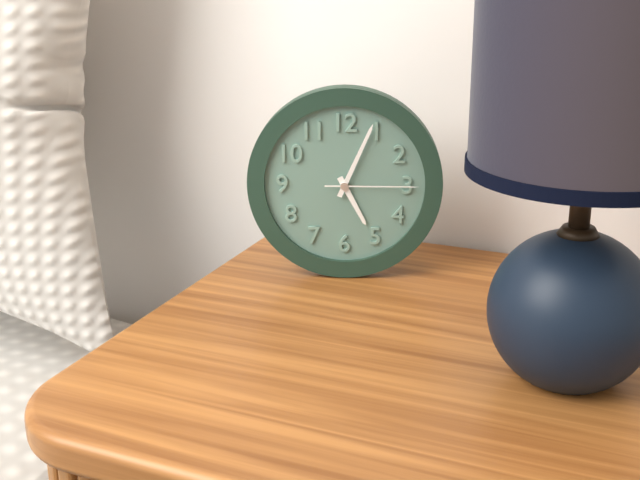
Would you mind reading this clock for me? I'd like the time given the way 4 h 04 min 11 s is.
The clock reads 5 h 04 min 15 s
